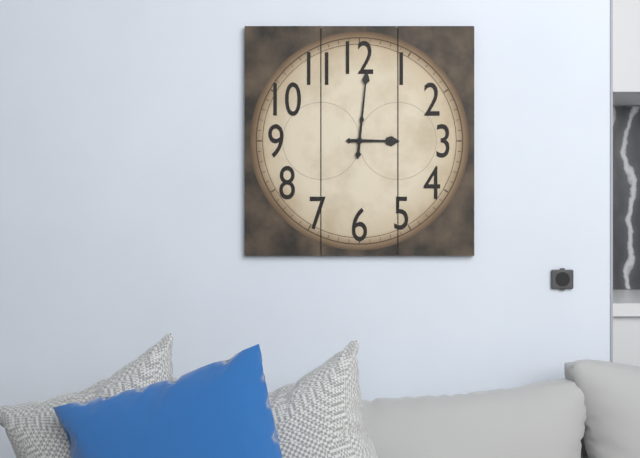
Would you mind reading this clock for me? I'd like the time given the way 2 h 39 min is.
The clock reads 3 h 01 min
